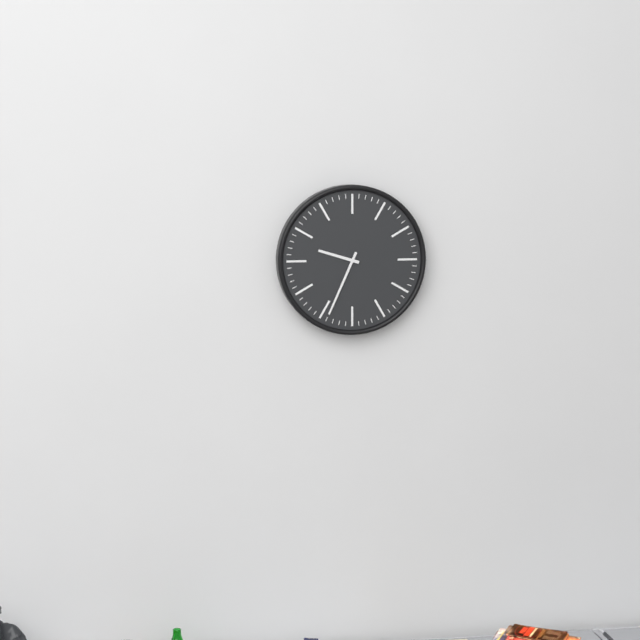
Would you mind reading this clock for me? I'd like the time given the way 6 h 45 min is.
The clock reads 9 h 34 min
